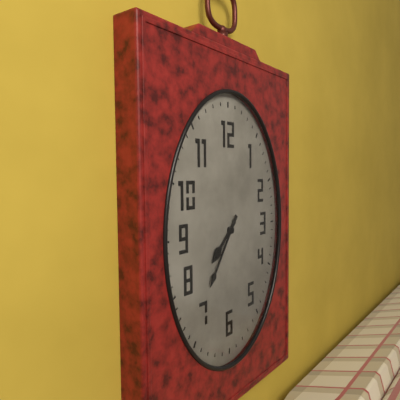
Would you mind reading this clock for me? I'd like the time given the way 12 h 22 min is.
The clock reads 7 h 36 min
